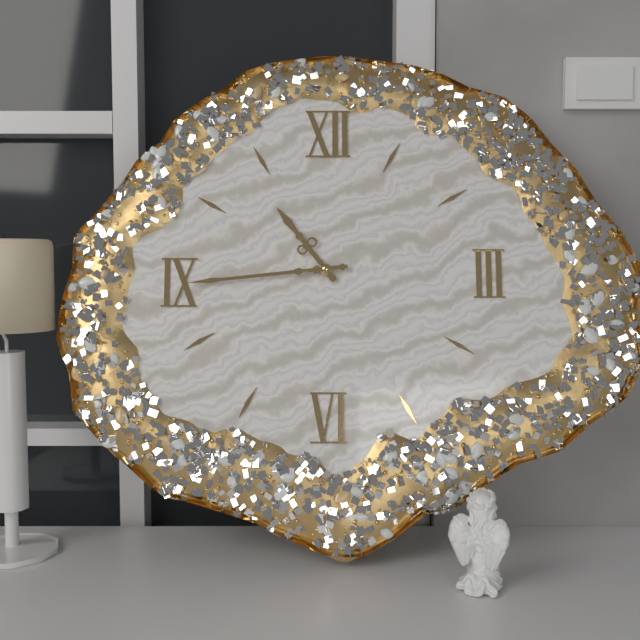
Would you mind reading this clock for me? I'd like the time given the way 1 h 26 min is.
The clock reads 10 h 44 min
